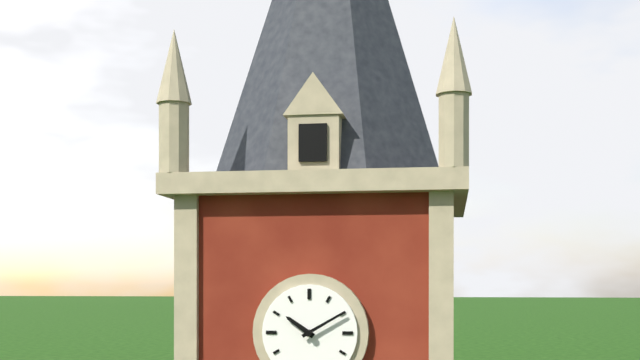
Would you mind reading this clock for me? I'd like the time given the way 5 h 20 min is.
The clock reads 10 h 10 min
